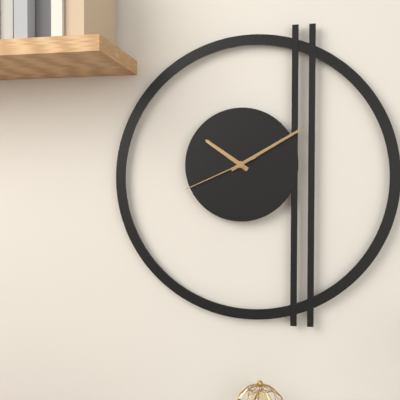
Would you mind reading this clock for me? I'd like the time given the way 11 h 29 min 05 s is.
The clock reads 10 h 10 min 41 s
